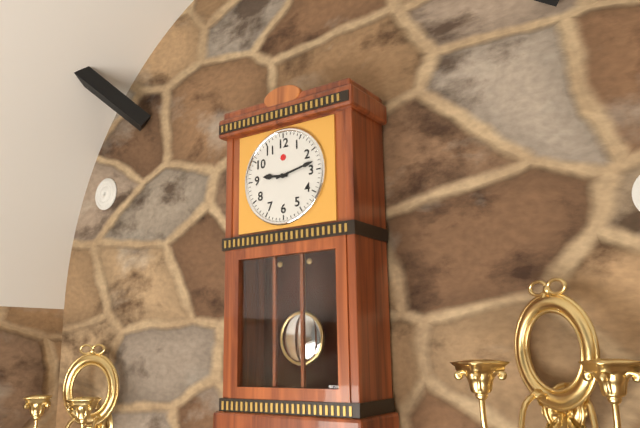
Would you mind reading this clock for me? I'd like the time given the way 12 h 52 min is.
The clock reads 9 h 13 min
